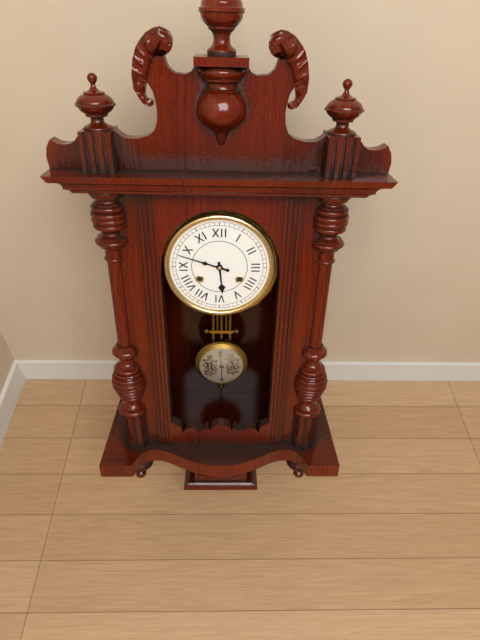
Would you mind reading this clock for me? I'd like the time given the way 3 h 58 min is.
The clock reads 5 h 48 min
